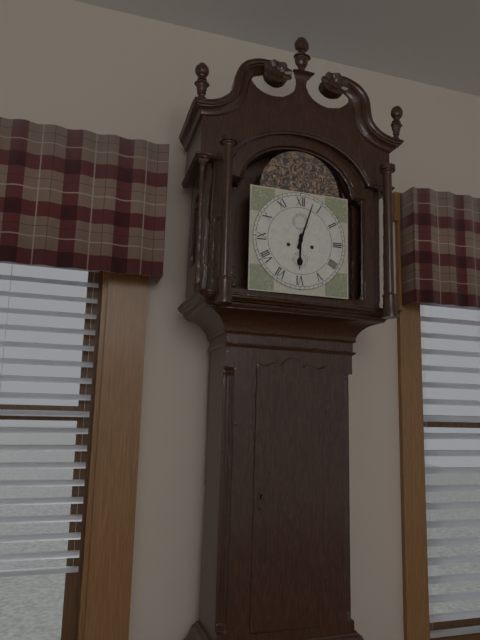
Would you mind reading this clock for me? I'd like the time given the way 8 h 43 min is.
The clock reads 6 h 03 min
